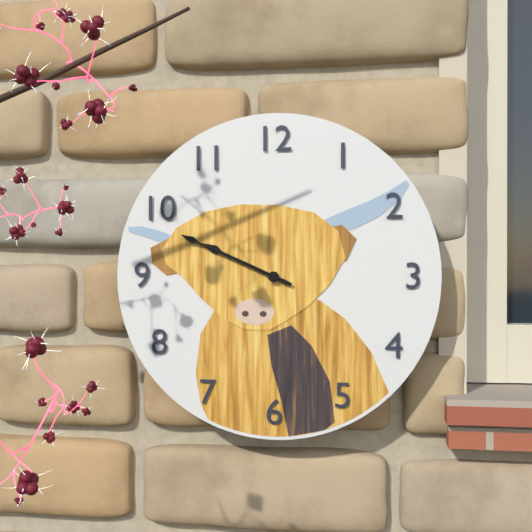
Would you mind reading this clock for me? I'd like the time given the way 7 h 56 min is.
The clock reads 9 h 49 min
